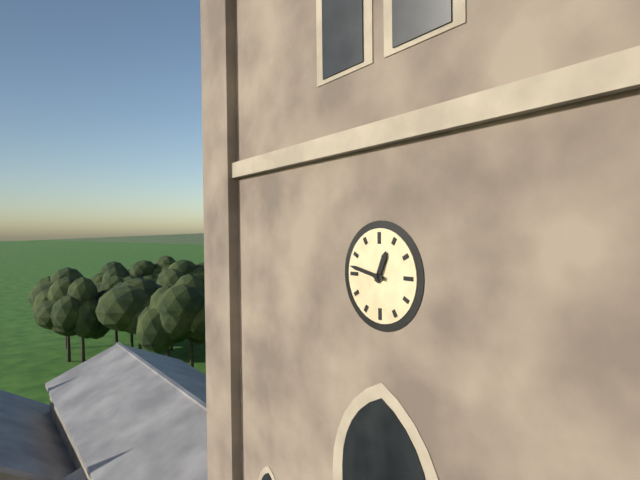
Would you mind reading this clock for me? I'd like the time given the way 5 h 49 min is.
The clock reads 12 h 47 min
